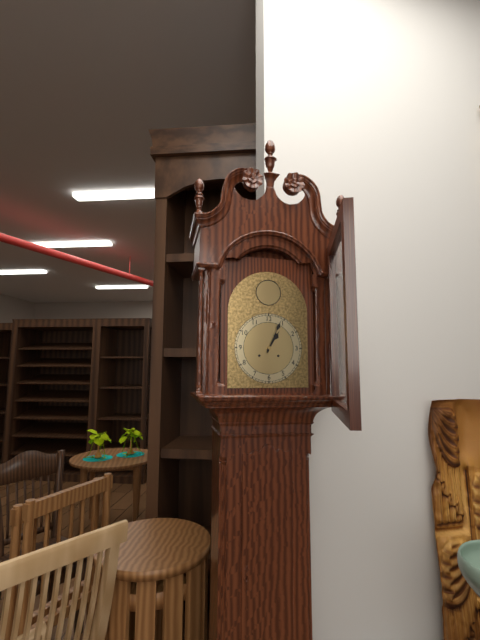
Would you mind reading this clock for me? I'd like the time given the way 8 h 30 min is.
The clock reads 1 h 04 min
